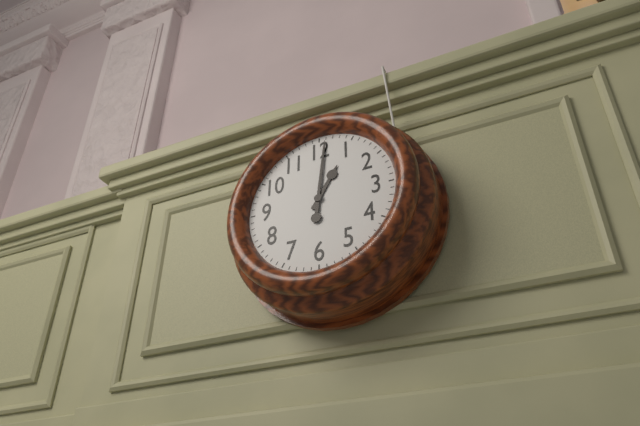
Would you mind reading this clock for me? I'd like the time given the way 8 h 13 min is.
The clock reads 1 h 01 min
